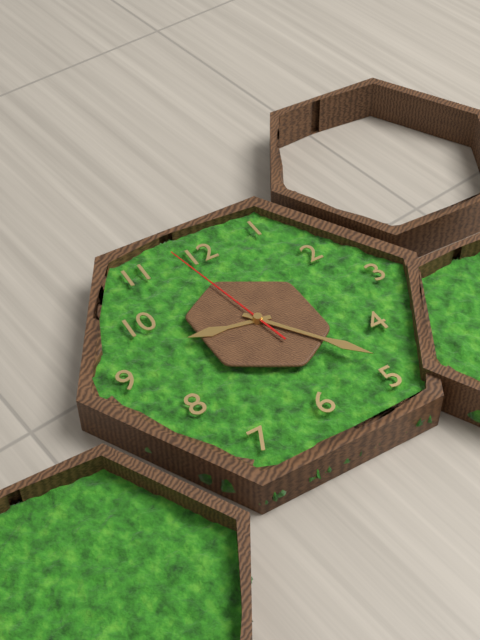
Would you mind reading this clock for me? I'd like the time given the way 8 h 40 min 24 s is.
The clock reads 9 h 24 min 58 s
